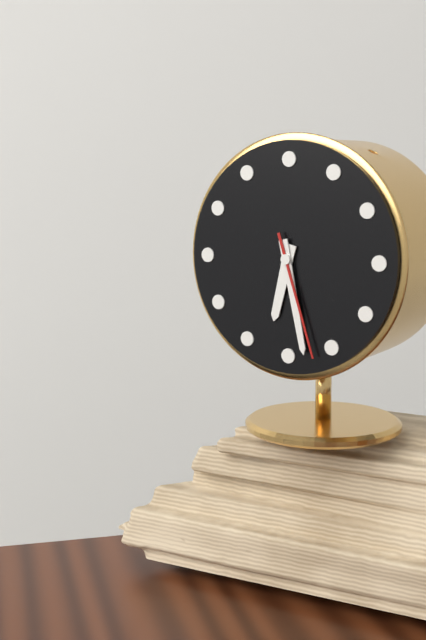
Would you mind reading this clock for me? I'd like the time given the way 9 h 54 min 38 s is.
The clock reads 6 h 28 min 27 s
